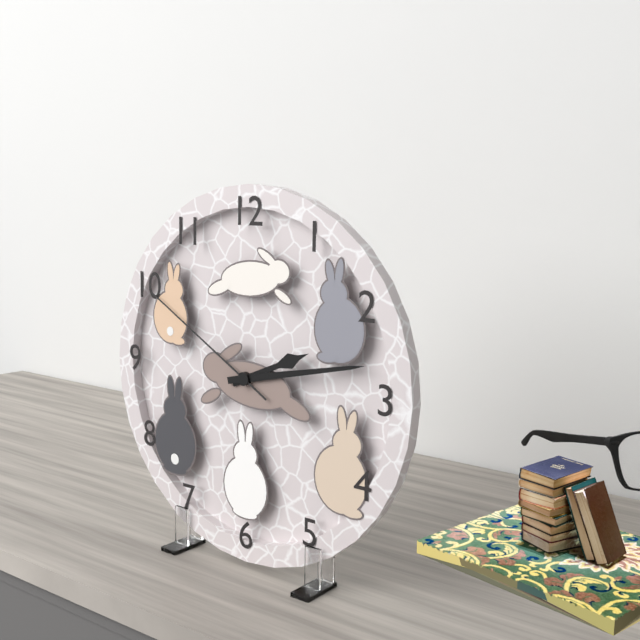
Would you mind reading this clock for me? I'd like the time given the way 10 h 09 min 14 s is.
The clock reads 2 h 13 min 50 s
